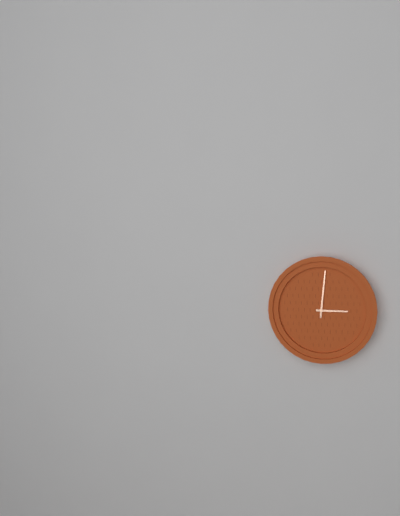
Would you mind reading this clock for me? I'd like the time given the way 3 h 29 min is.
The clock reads 3 h 01 min
